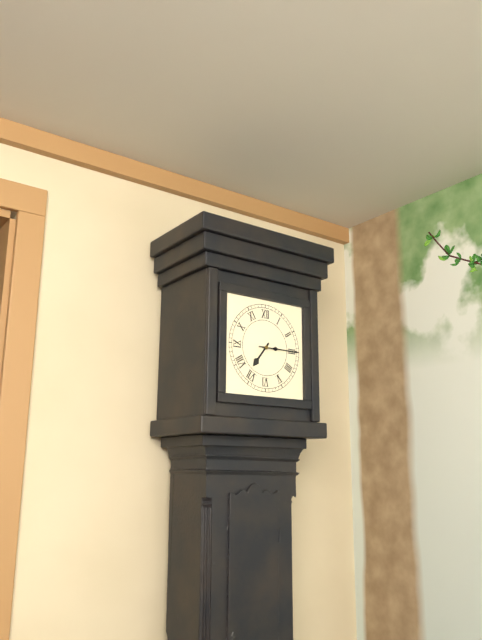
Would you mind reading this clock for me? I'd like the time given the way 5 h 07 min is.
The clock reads 7 h 15 min
